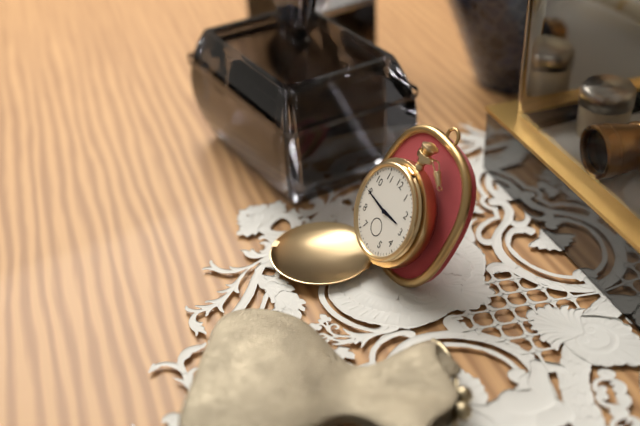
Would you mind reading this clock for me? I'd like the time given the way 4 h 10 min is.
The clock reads 2 h 45 min
